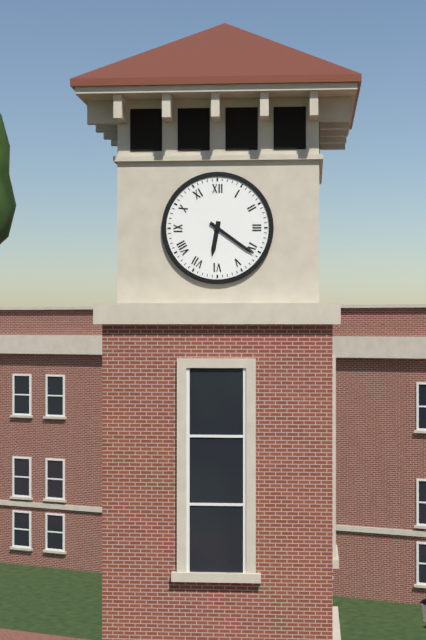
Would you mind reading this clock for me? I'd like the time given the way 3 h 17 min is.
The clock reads 6 h 21 min
